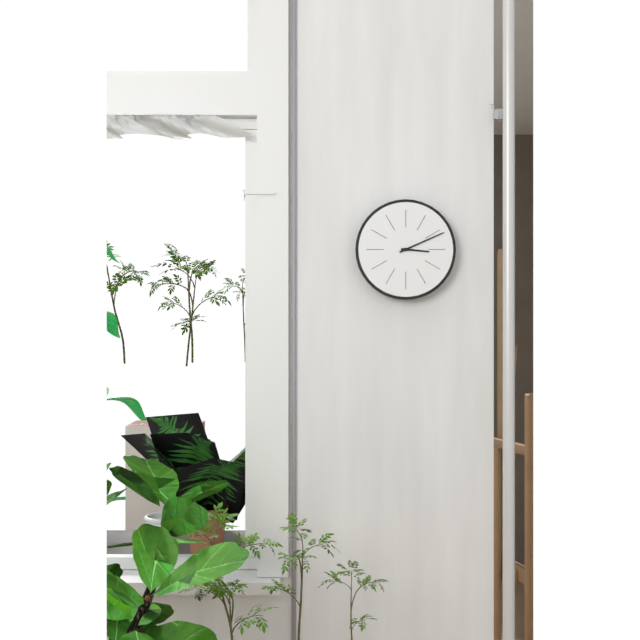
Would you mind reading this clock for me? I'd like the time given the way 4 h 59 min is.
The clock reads 3 h 11 min
